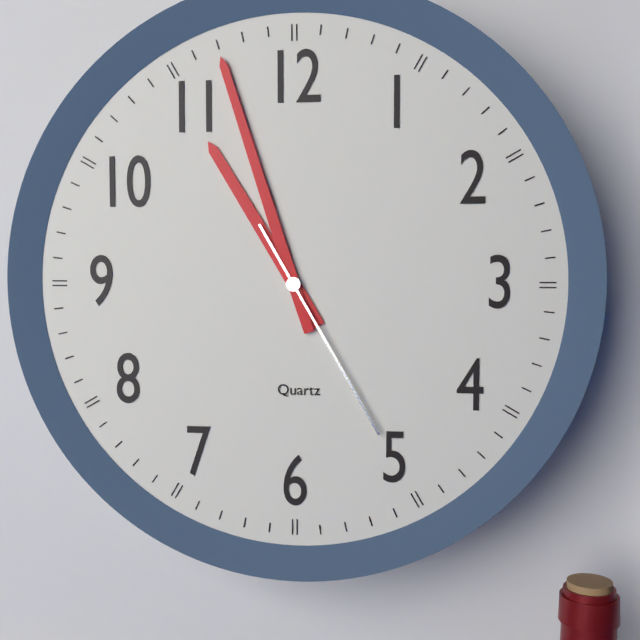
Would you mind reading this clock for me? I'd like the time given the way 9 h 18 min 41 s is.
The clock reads 10 h 57 min 25 s
